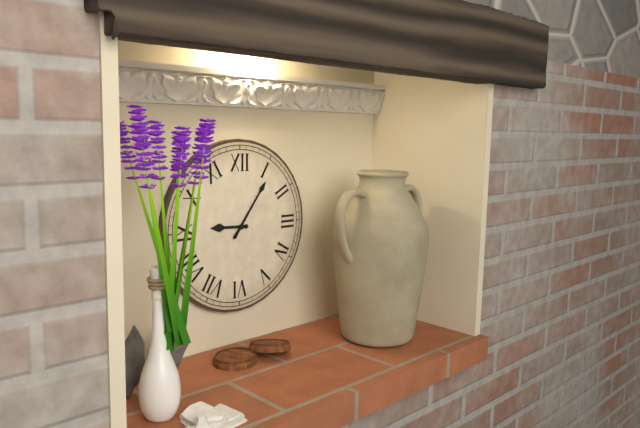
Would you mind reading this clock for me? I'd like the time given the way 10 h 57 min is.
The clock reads 9 h 06 min
